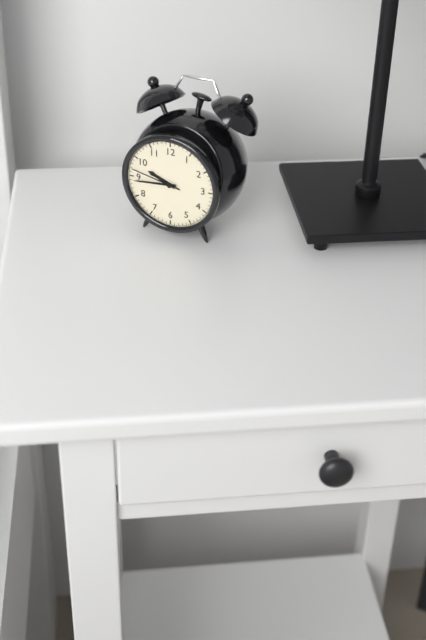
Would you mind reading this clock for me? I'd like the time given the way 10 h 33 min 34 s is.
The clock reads 9 h 44 min 47 s
